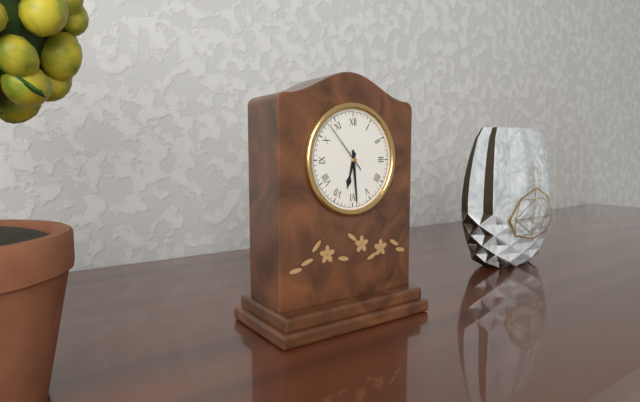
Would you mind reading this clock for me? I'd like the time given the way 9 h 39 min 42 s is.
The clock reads 6 h 29 min 53 s
